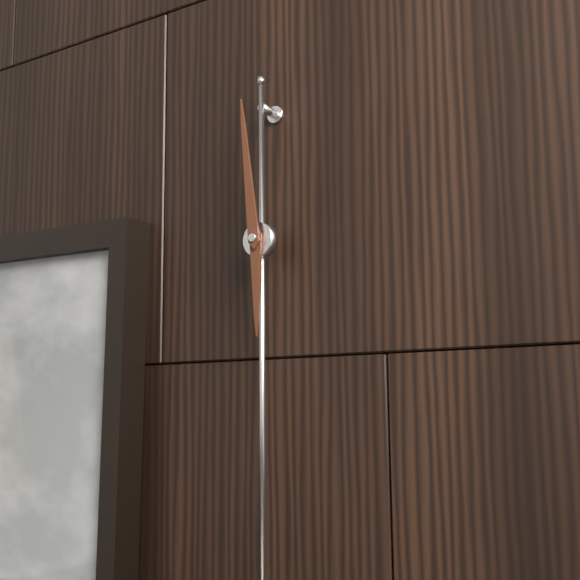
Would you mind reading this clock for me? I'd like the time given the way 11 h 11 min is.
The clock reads 5 h 59 min
